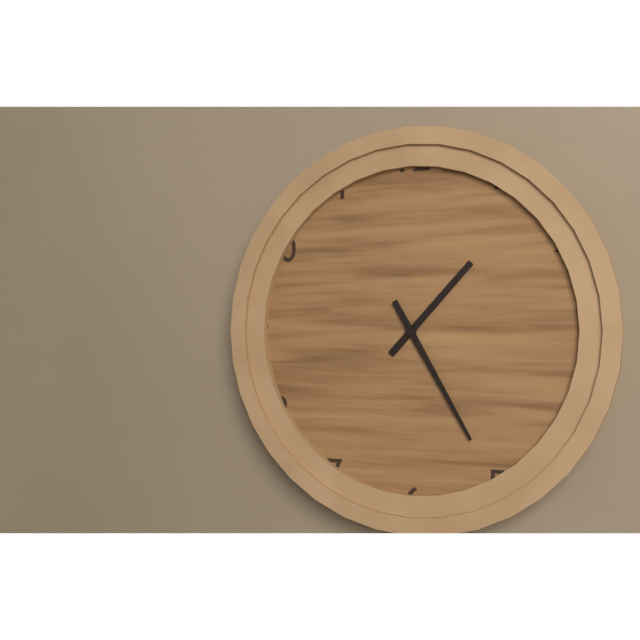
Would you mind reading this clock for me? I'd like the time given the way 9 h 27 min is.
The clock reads 1 h 25 min
